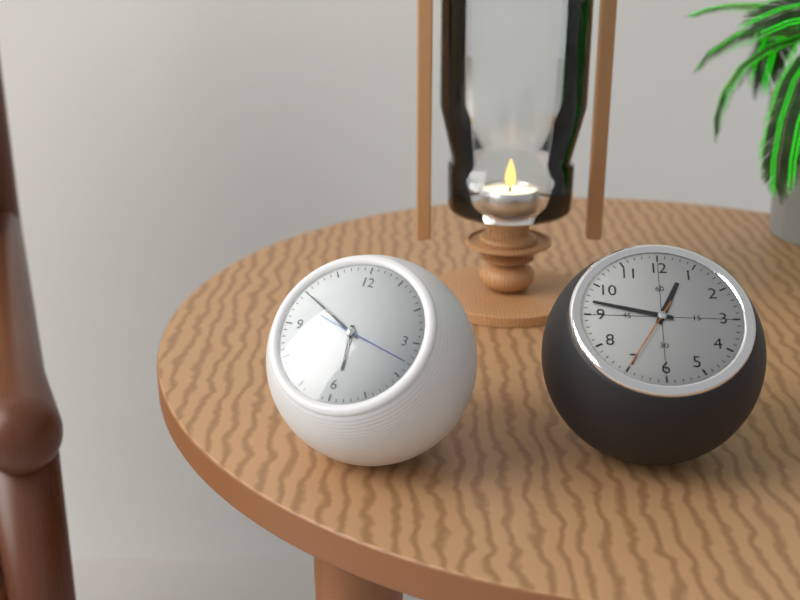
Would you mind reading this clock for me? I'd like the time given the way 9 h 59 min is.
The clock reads 5 h 50 min
